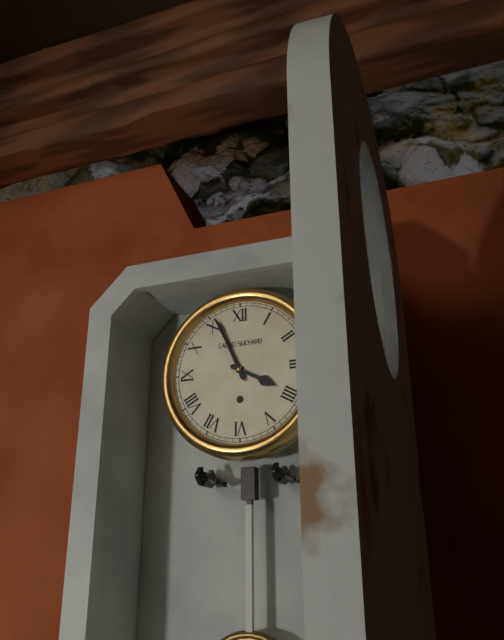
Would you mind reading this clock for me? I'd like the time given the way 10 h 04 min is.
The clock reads 3 h 56 min
